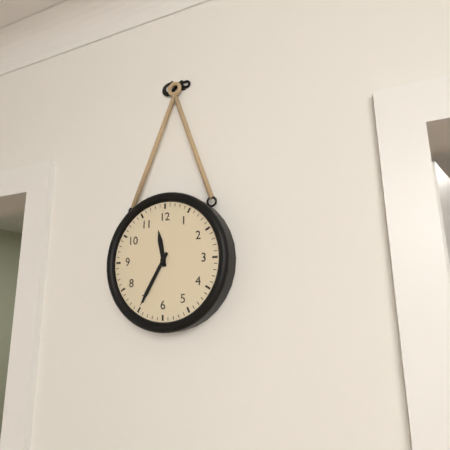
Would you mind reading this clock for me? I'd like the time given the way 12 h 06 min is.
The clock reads 11 h 35 min
